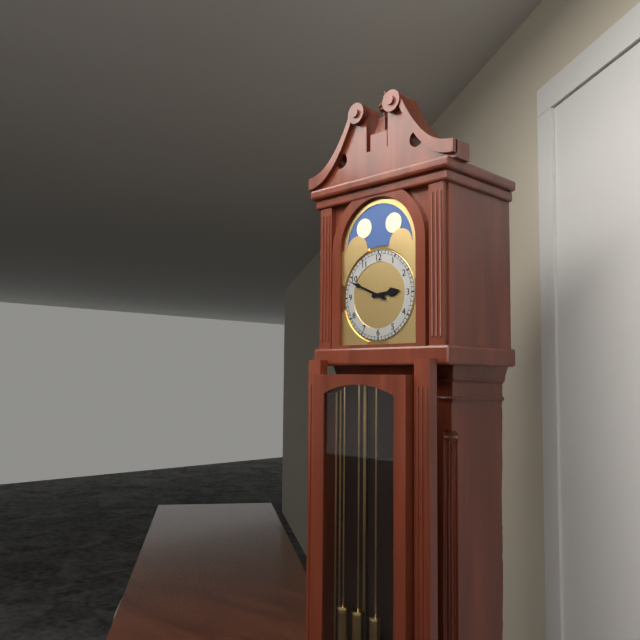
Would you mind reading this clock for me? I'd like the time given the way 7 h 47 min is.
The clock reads 2 h 49 min
